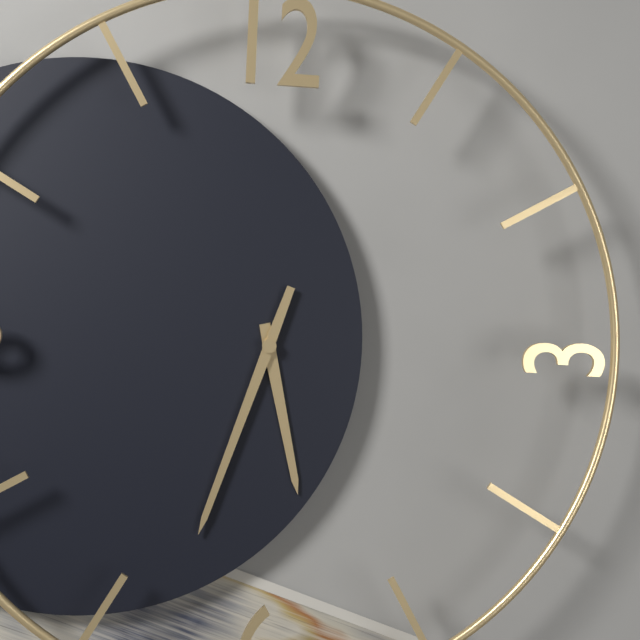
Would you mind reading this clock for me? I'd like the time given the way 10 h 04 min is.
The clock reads 5 h 33 min
